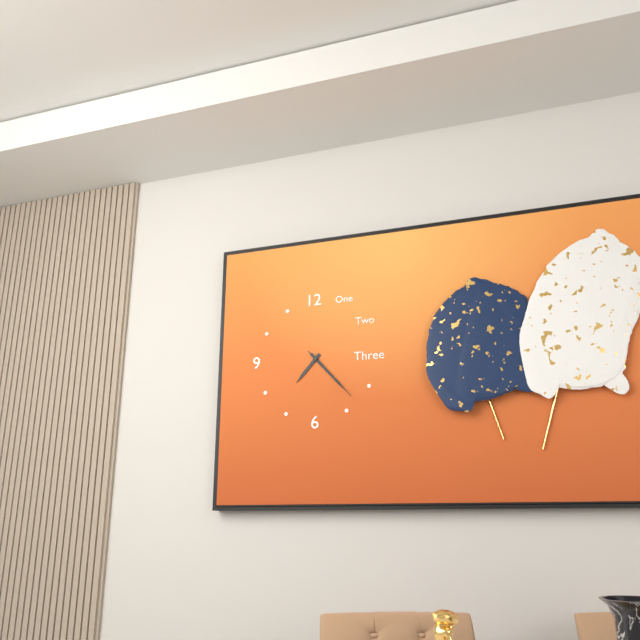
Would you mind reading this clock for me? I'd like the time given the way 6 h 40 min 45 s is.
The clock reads 7 h 23 min 23 s
